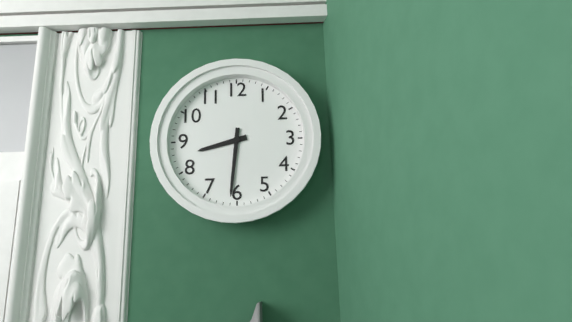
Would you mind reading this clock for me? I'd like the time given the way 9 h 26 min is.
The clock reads 8 h 31 min
